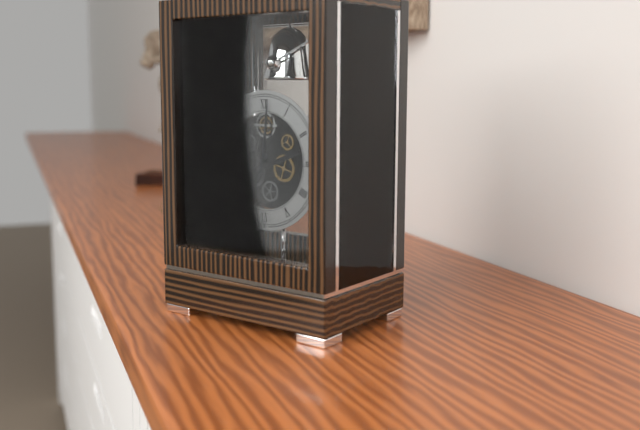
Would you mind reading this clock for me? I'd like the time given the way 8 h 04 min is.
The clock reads 7 h 01 min
